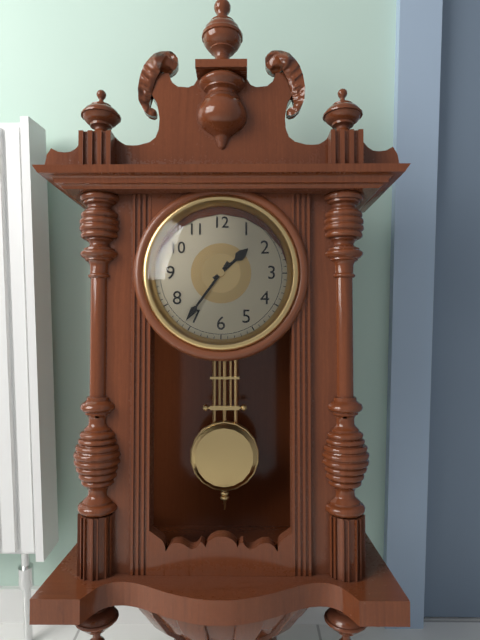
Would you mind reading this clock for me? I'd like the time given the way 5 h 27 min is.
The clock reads 1 h 36 min
